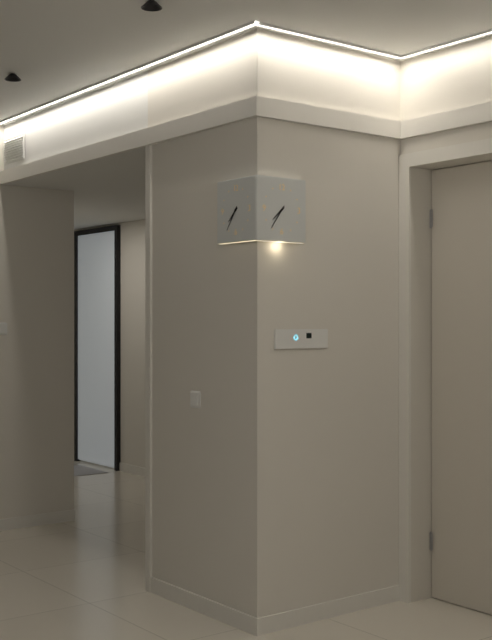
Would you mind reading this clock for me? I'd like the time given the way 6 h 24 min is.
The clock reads 7 h 36 min
